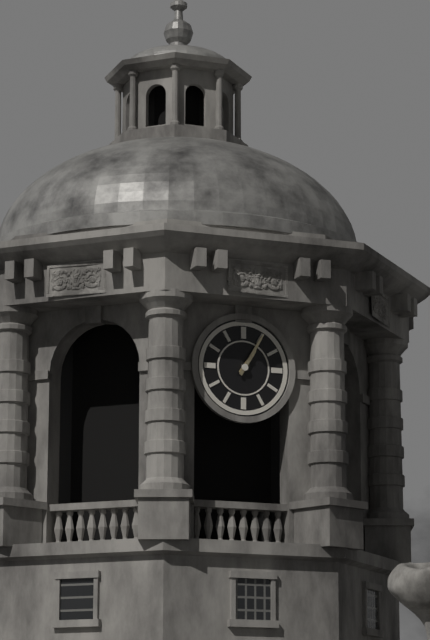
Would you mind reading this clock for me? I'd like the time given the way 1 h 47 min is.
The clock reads 1 h 05 min
